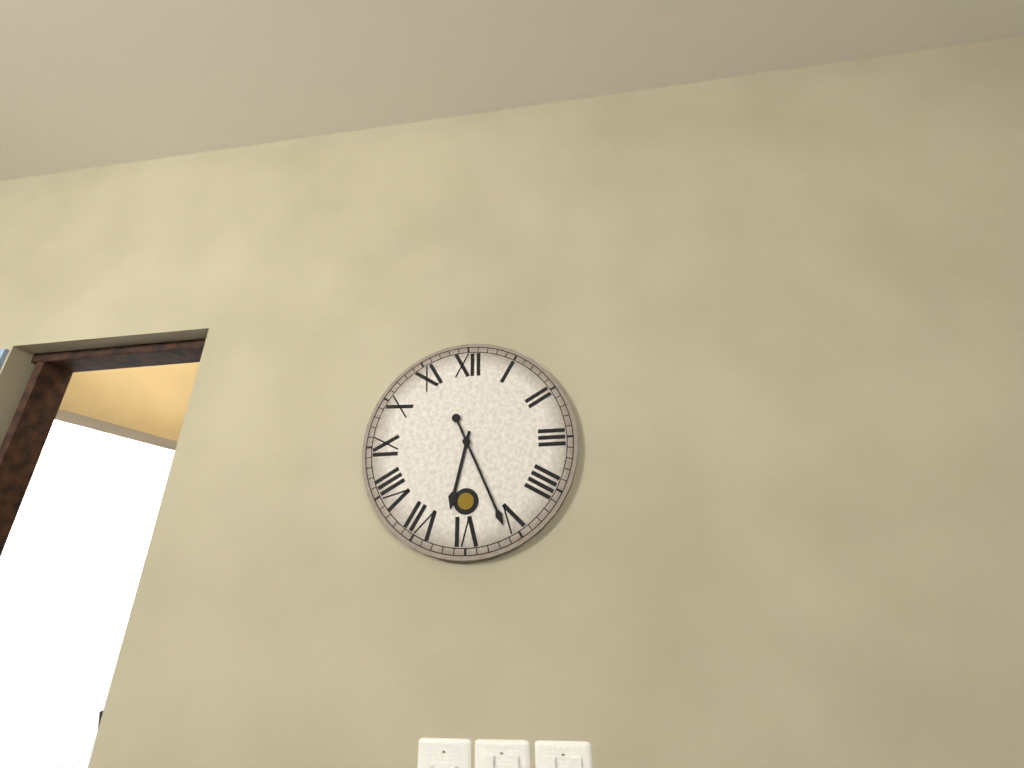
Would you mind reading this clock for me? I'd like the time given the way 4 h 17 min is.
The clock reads 6 h 26 min
